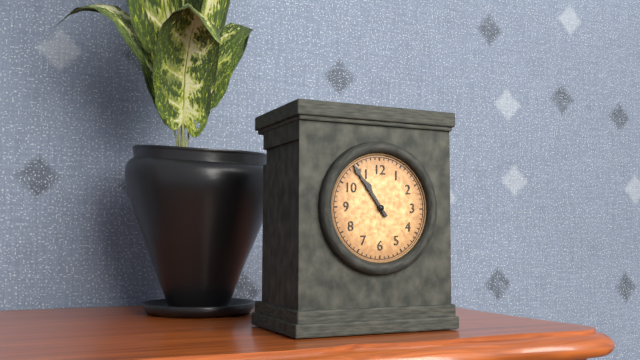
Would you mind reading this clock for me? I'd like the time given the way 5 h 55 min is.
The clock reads 10 h 54 min
